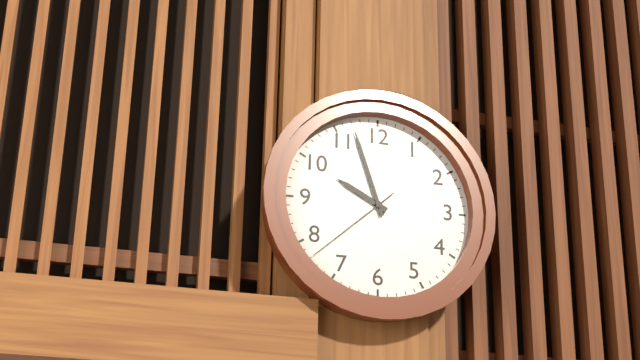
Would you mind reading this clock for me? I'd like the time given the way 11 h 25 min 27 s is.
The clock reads 9 h 57 min 38 s
